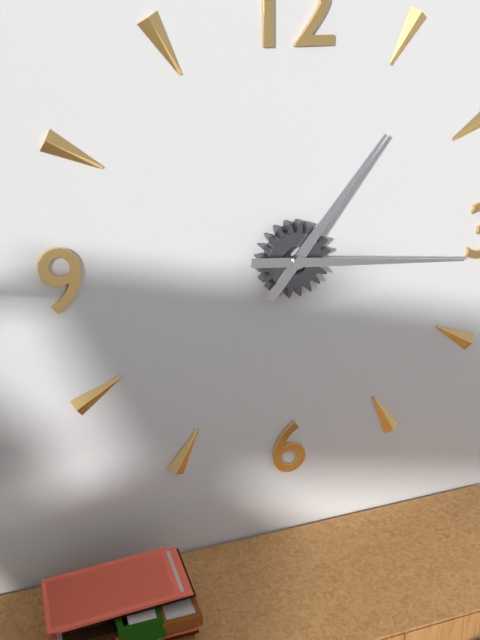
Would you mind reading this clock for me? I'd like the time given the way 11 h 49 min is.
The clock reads 1 h 16 min
